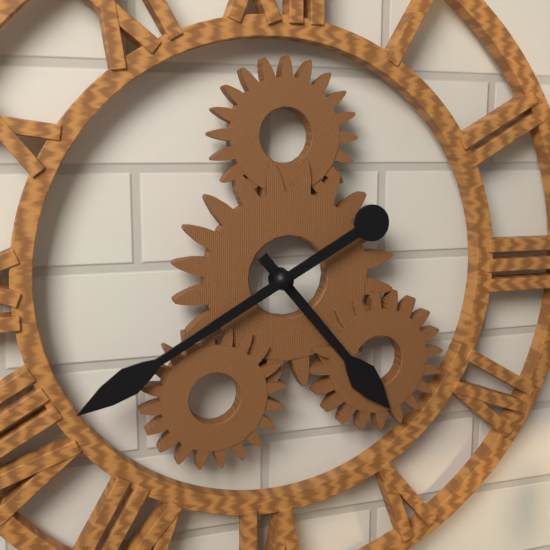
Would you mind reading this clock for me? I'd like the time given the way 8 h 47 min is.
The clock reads 4 h 40 min
